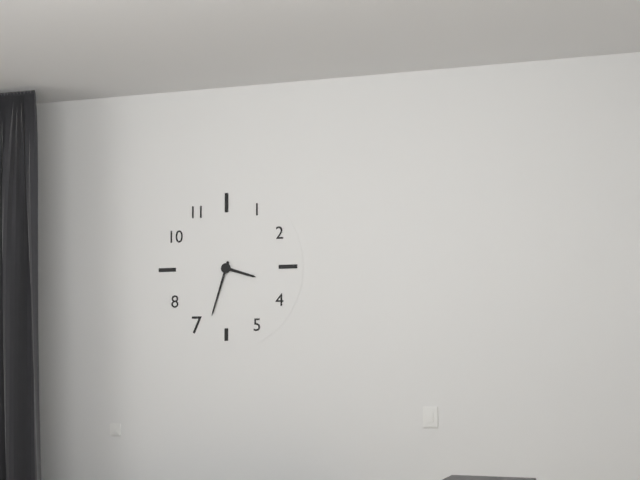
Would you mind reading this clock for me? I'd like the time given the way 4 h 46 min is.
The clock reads 3 h 33 min
